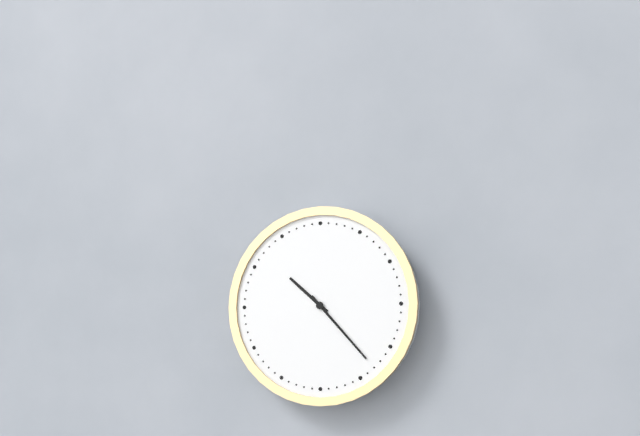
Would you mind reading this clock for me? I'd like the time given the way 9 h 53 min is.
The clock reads 10 h 23 min
